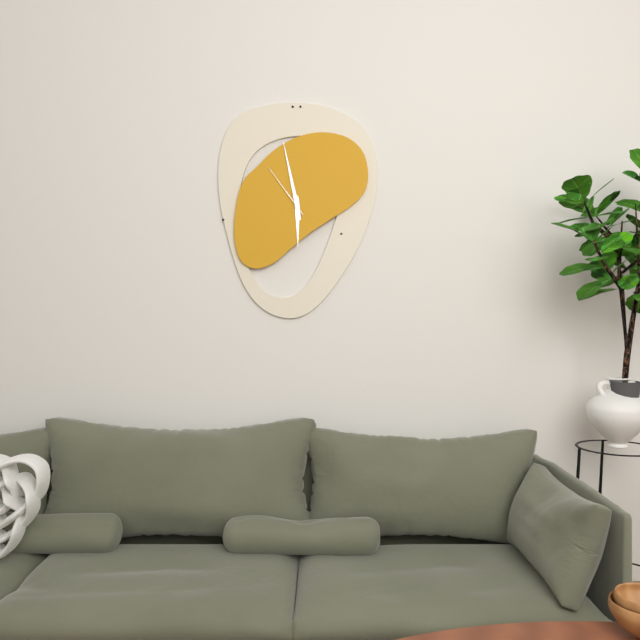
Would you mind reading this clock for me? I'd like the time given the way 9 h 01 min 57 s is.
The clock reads 5 h 58 min 54 s
